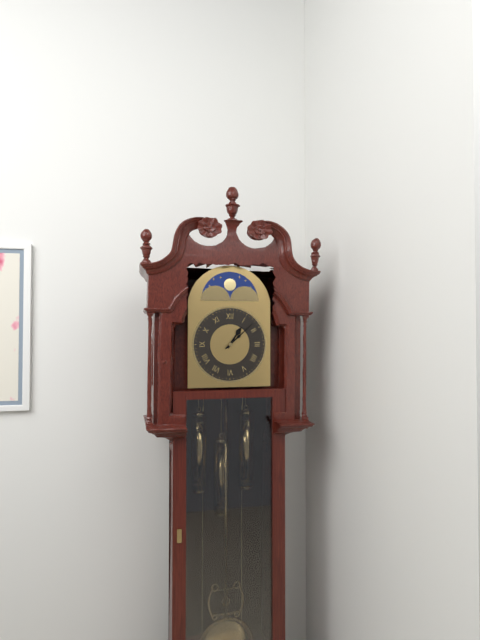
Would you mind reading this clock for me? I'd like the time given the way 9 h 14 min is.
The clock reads 1 h 08 min
